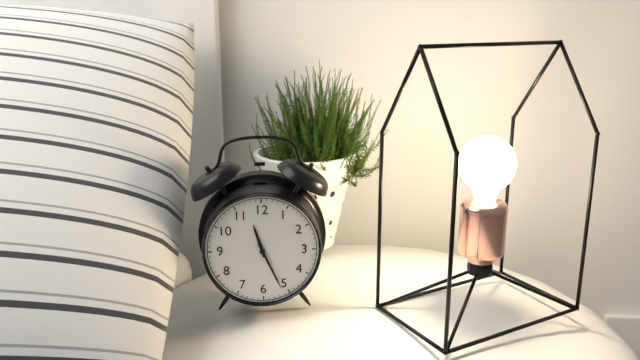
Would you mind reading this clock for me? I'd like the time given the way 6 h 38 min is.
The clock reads 11 h 26 min
